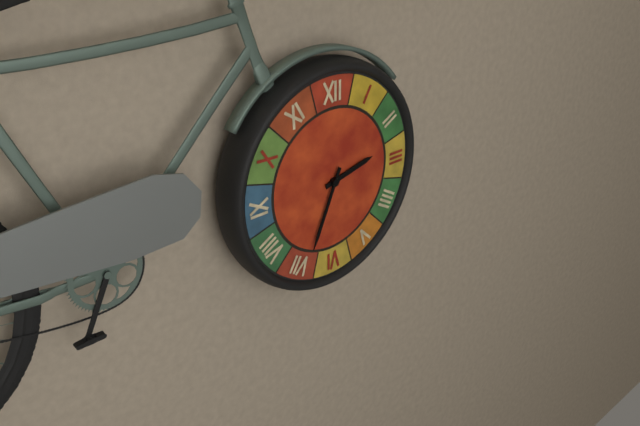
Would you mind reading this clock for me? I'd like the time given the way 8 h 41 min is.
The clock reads 2 h 34 min
